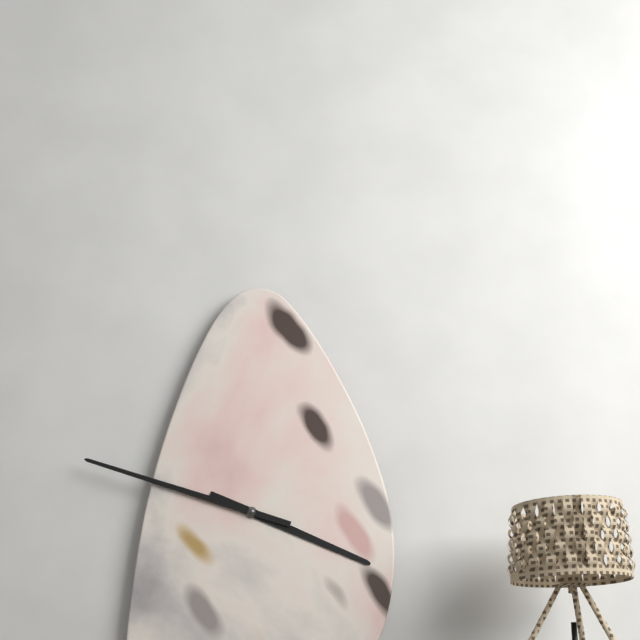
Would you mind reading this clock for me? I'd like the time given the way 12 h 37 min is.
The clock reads 3 h 48 min
